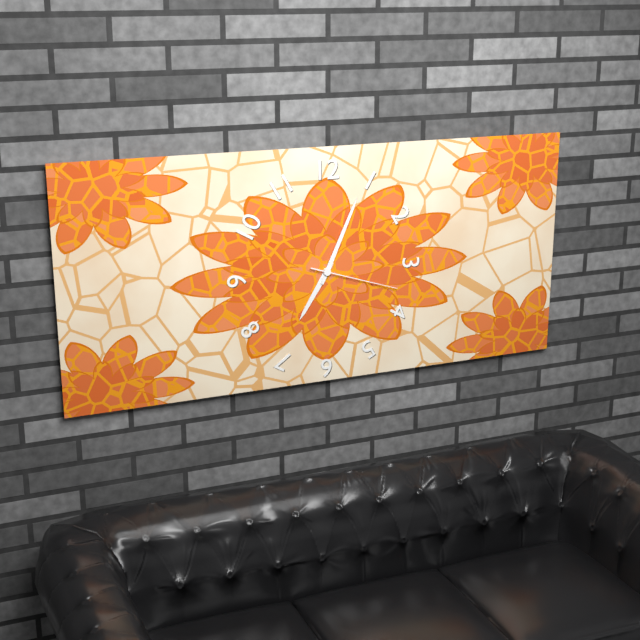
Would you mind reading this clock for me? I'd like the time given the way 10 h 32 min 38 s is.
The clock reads 7 h 04 min 18 s
